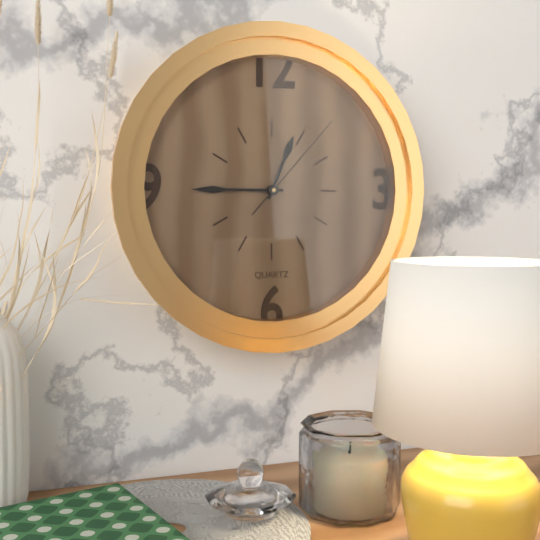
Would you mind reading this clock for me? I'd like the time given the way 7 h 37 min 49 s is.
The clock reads 12 h 45 min 07 s
